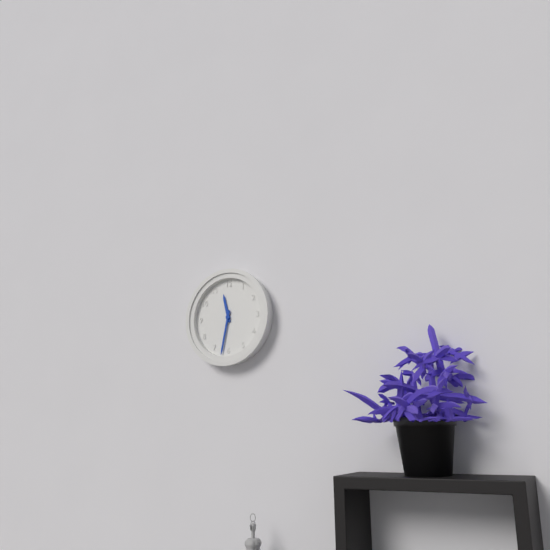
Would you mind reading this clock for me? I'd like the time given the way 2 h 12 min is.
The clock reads 11 h 32 min
